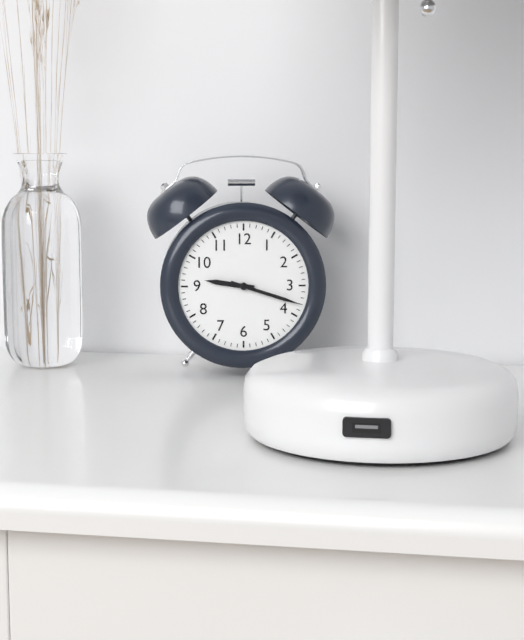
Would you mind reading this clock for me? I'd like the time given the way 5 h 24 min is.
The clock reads 9 h 18 min
